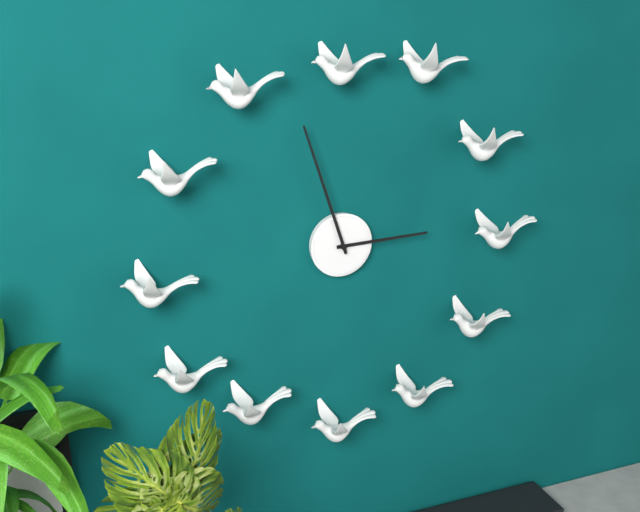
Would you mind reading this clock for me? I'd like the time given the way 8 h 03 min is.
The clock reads 2 h 57 min
